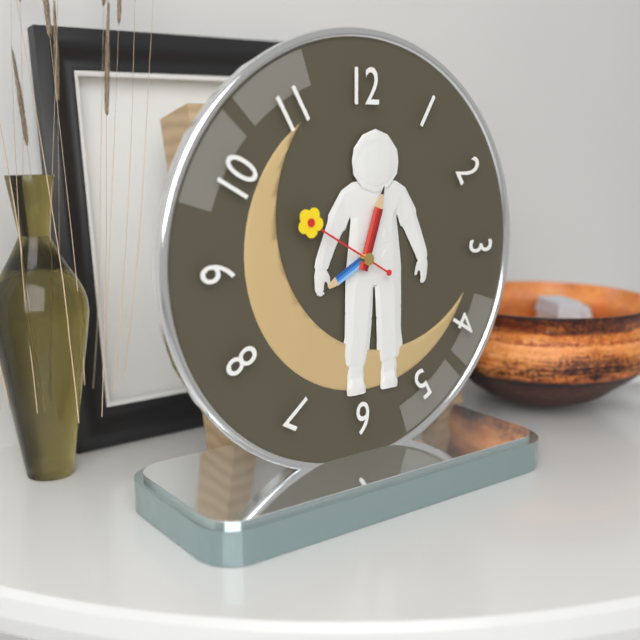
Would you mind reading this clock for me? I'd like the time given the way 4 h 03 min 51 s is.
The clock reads 8 h 03 min 50 s
